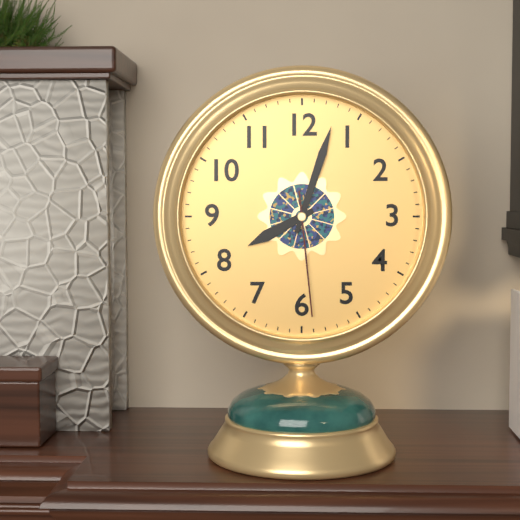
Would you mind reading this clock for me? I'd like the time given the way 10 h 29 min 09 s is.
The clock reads 8 h 03 min 29 s
